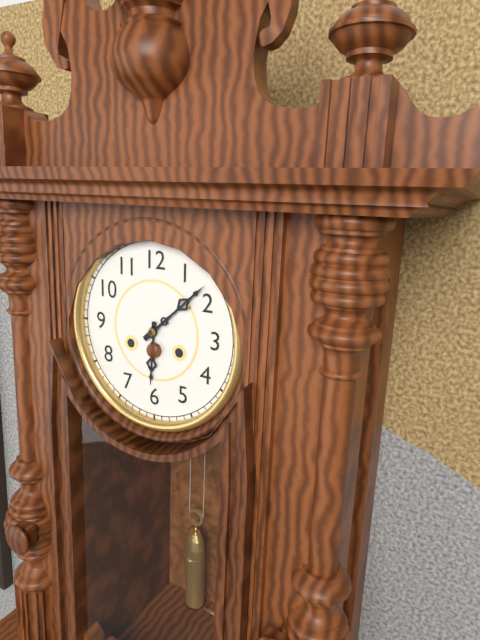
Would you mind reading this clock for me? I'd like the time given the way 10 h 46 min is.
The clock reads 6 h 08 min
